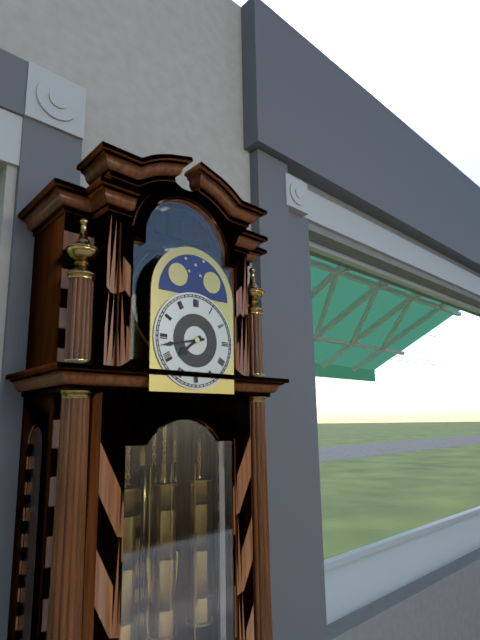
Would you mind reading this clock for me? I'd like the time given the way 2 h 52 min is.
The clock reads 7 h 43 min
